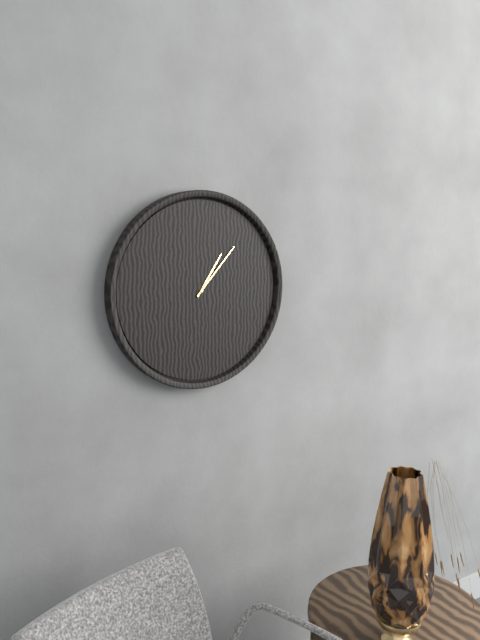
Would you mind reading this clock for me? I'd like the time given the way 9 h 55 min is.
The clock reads 1 h 07 min
